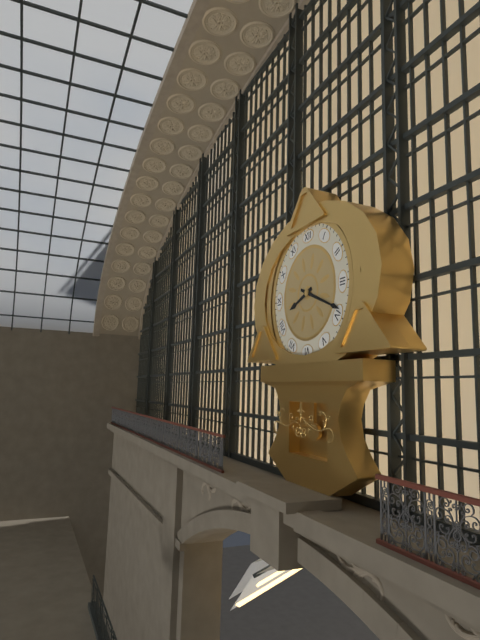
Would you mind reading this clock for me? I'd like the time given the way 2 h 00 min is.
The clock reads 8 h 19 min
